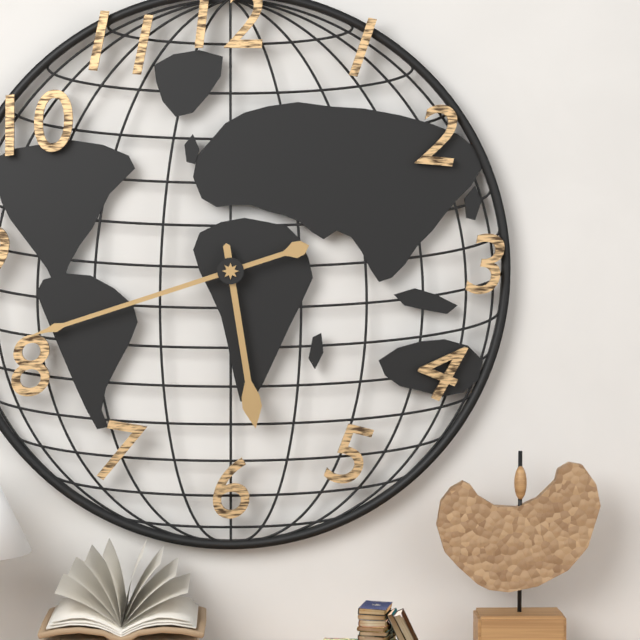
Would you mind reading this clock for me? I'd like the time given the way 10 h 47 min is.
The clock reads 5 h 42 min
